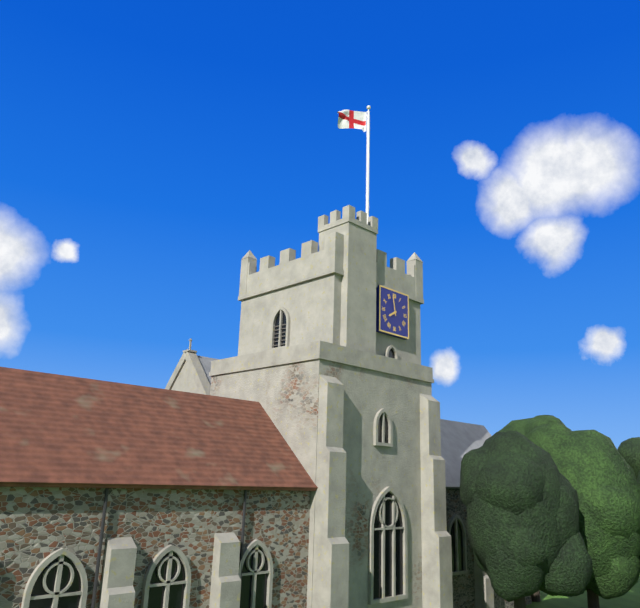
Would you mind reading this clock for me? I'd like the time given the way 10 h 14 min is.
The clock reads 7 h 58 min
